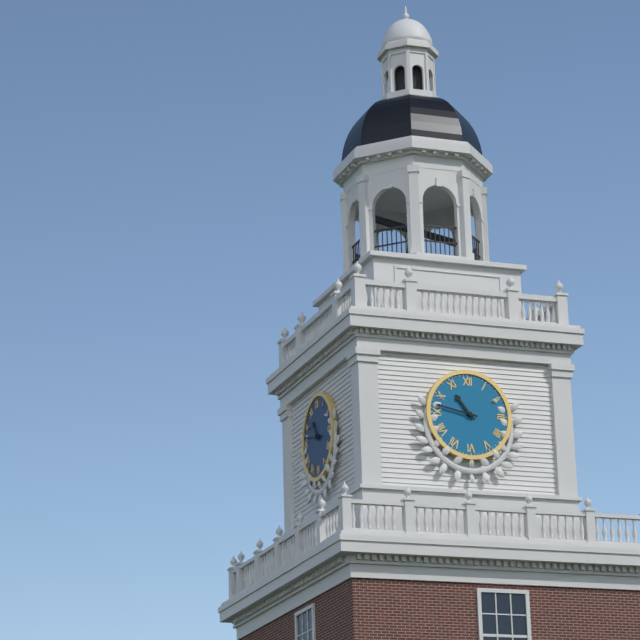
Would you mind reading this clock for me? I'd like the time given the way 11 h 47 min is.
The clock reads 10 h 47 min
